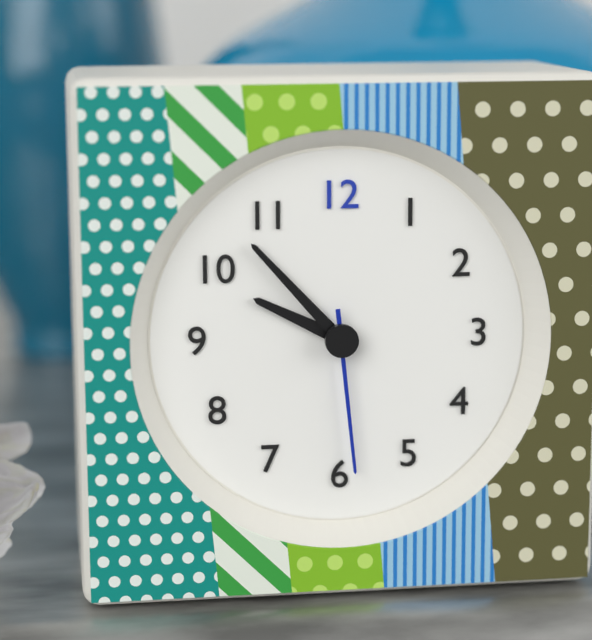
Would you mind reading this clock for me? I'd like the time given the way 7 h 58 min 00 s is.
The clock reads 9 h 53 min 29 s
